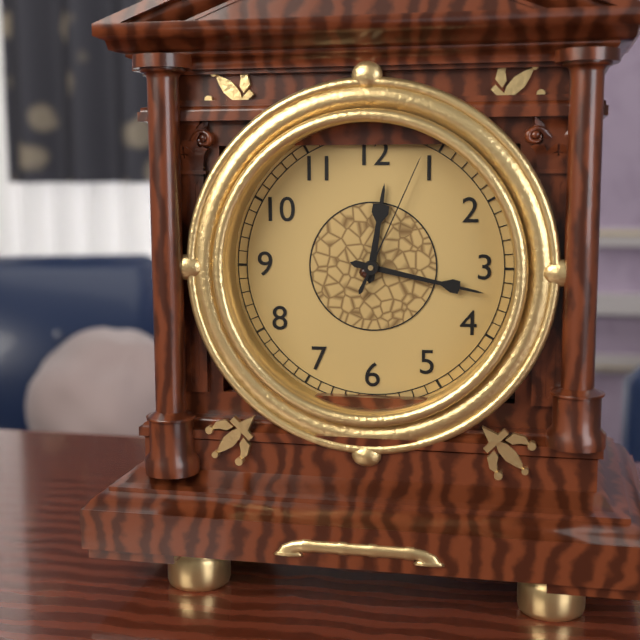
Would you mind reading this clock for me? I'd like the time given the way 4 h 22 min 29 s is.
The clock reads 12 h 17 min 04 s
